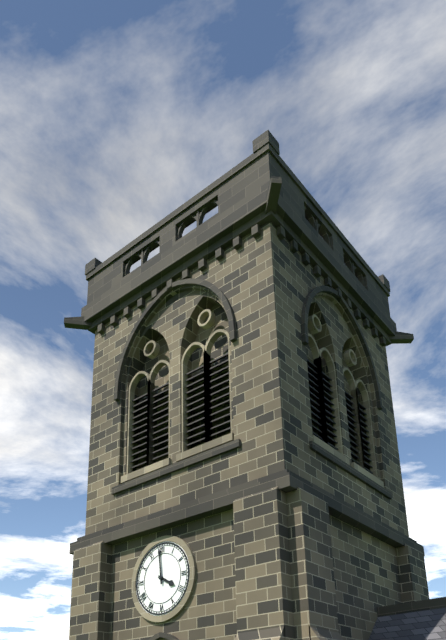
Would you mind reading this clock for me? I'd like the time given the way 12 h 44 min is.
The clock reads 3 h 59 min
